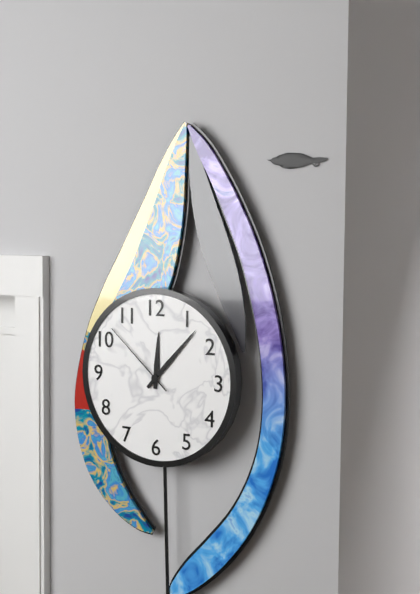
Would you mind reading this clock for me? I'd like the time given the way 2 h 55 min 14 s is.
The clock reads 12 h 07 min 52 s
